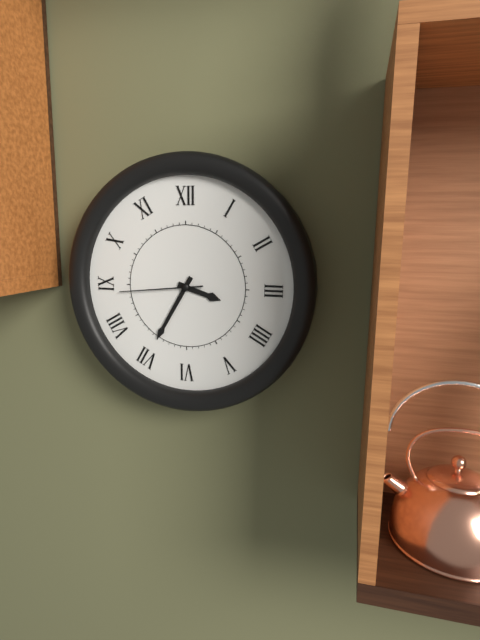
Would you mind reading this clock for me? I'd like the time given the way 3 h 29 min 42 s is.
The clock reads 3 h 35 min 44 s
